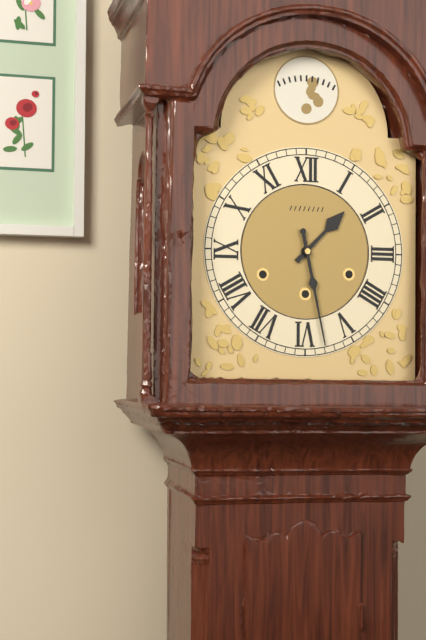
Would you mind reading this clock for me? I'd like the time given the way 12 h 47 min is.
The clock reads 1 h 28 min
